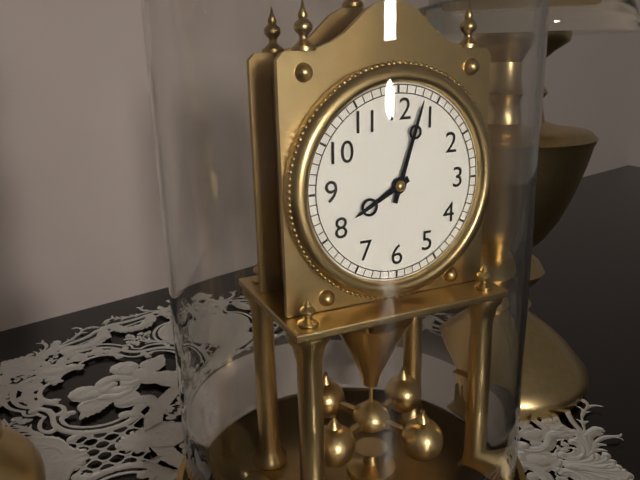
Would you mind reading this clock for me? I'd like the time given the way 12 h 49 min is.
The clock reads 8 h 03 min
